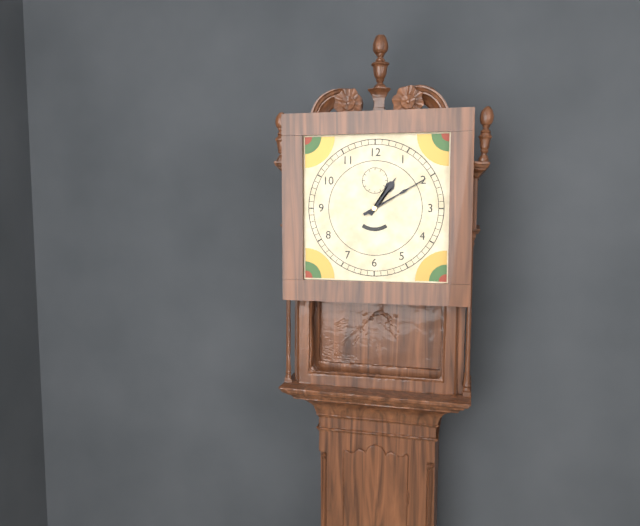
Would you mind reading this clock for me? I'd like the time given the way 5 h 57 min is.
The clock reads 1 h 10 min
